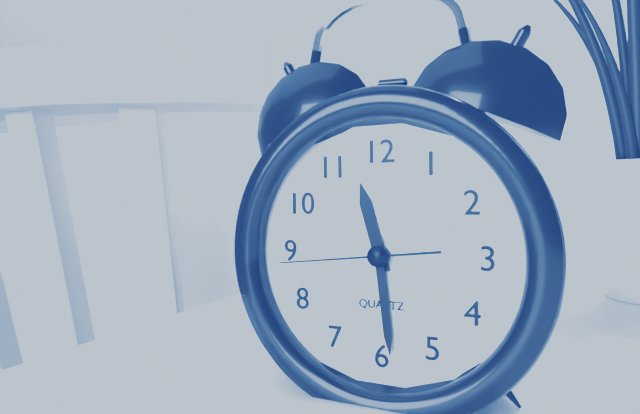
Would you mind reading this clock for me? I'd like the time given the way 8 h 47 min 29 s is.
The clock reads 11 h 29 min 44 s
